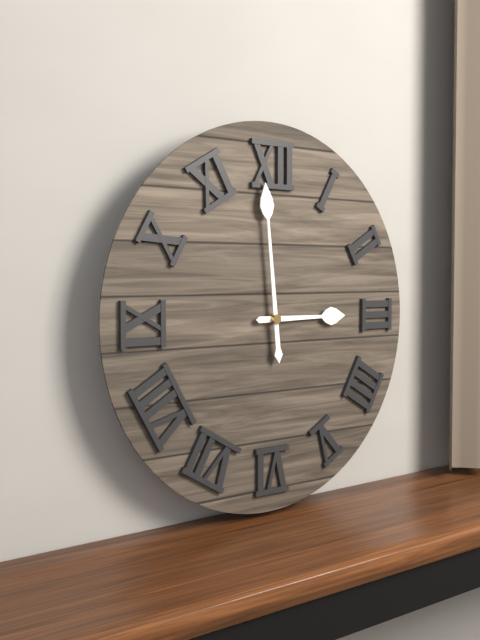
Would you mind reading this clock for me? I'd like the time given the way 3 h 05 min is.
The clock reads 2 h 59 min
